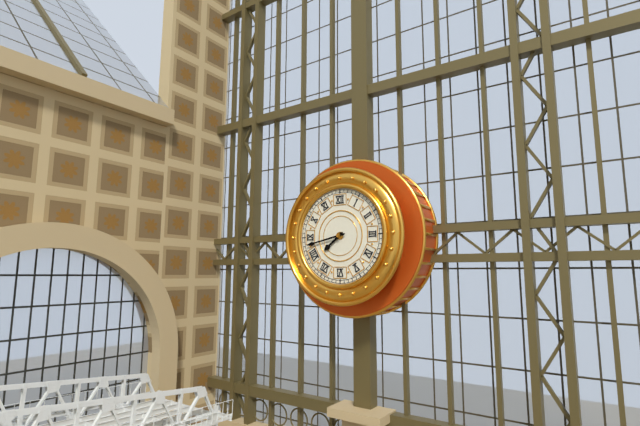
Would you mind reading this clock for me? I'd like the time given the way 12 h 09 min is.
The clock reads 7 h 43 min
